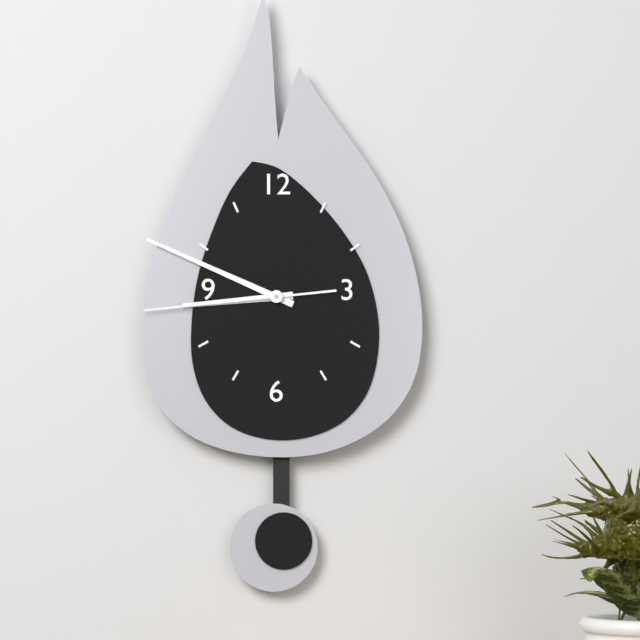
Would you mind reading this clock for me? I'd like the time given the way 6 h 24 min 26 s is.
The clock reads 8 h 49 min 44 s
